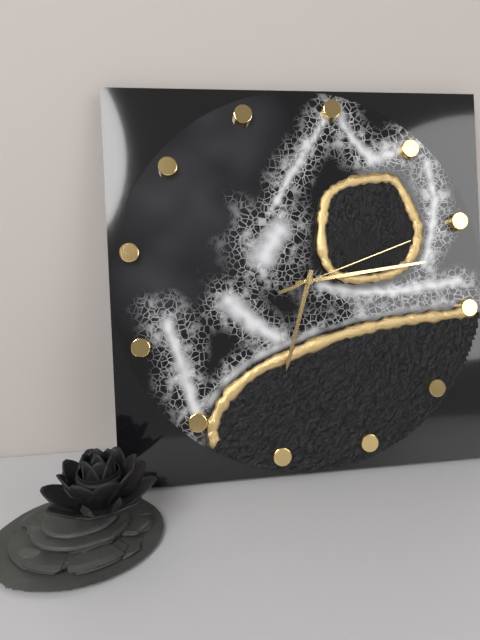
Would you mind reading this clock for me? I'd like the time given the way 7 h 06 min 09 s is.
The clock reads 6 h 12 min 10 s
